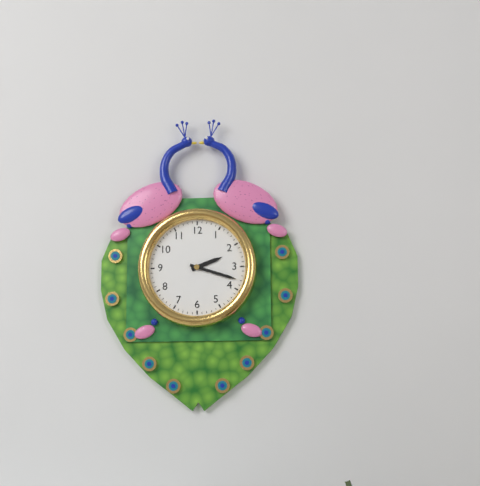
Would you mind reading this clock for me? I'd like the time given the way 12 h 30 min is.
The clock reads 2 h 18 min
